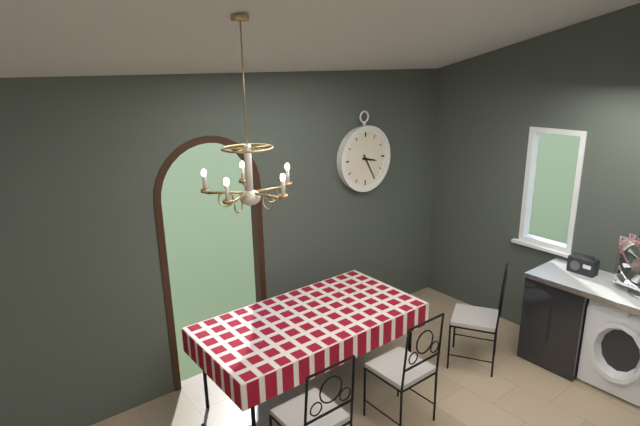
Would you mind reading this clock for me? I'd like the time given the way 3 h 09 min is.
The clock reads 3 h 25 min
